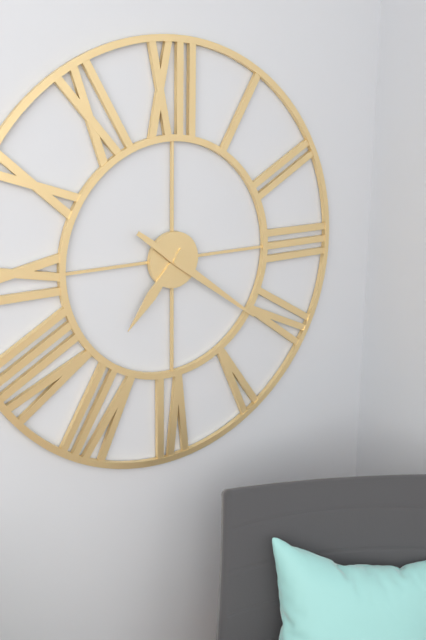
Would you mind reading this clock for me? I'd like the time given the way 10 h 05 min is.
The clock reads 7 h 21 min
